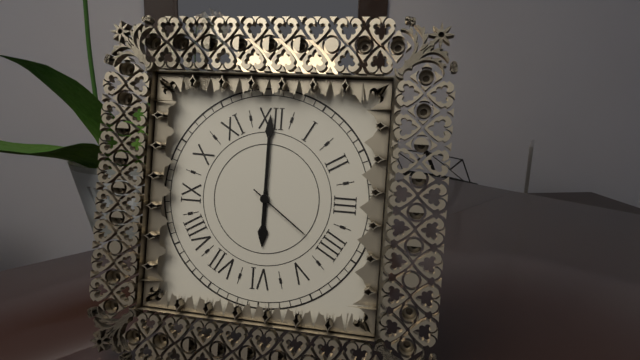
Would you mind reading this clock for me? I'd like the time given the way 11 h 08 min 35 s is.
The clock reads 6 h 00 min 21 s
